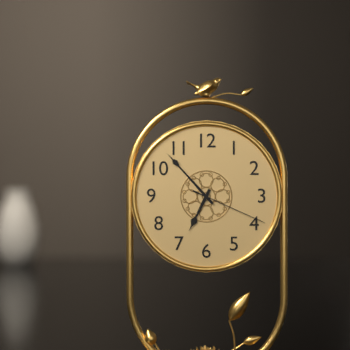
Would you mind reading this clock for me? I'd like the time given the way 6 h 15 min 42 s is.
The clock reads 6 h 53 min 19 s
